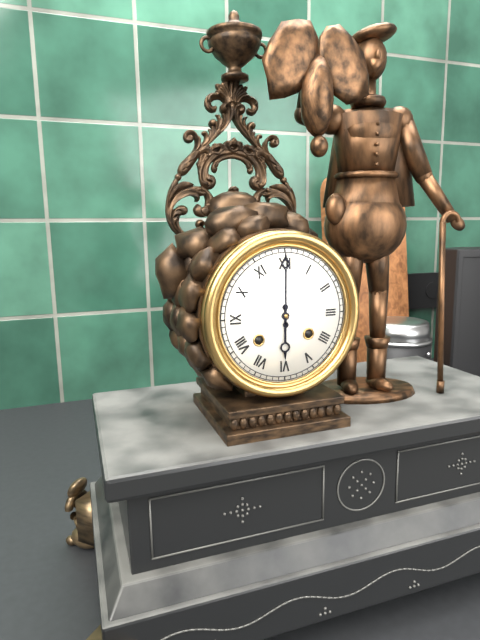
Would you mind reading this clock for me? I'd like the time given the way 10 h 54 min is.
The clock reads 6 h 00 min
